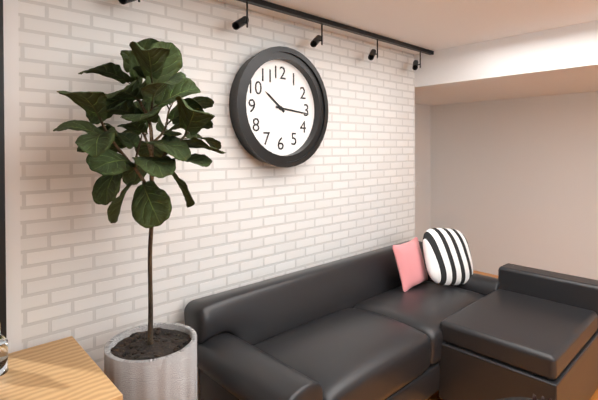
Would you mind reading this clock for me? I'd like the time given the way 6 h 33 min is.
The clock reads 10 h 16 min
